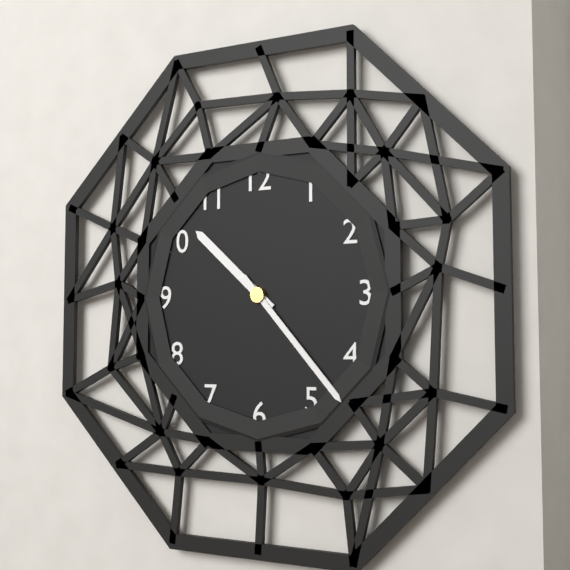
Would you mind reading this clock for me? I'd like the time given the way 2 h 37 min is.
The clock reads 10 h 23 min
